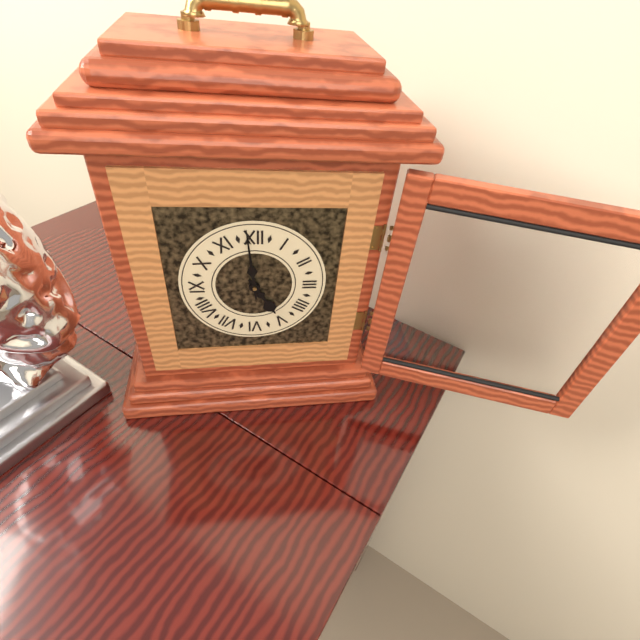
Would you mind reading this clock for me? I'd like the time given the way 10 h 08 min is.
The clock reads 4 h 59 min
